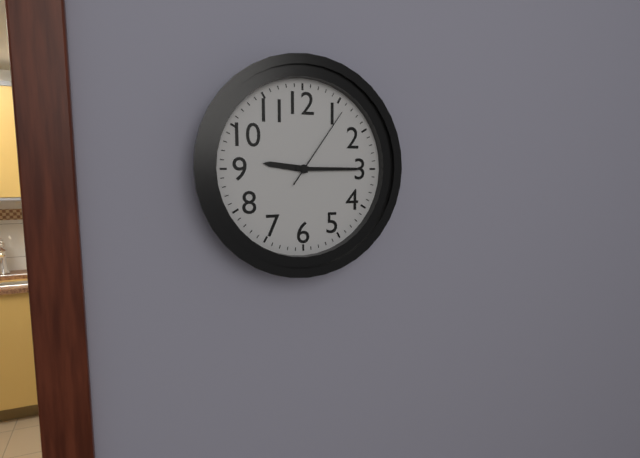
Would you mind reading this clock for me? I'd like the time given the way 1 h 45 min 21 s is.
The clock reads 9 h 15 min 06 s
